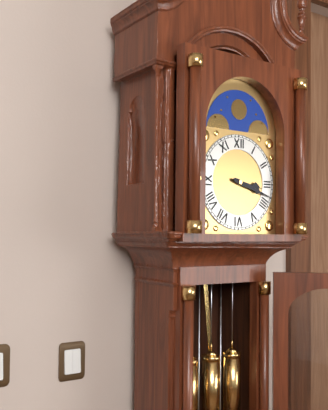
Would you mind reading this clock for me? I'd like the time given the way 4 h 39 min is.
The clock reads 3 h 18 min
